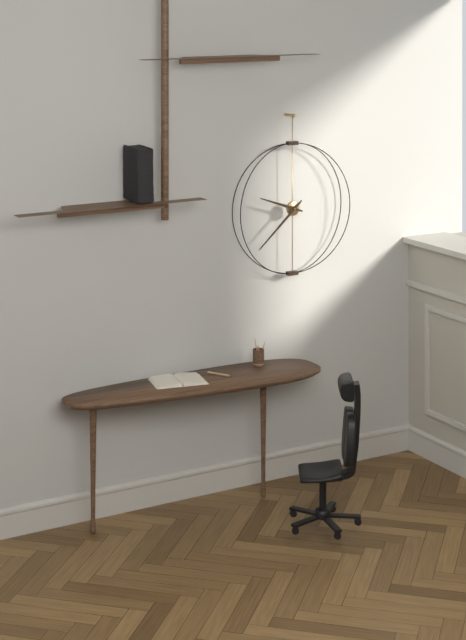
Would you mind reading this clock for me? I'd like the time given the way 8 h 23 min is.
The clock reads 9 h 38 min
